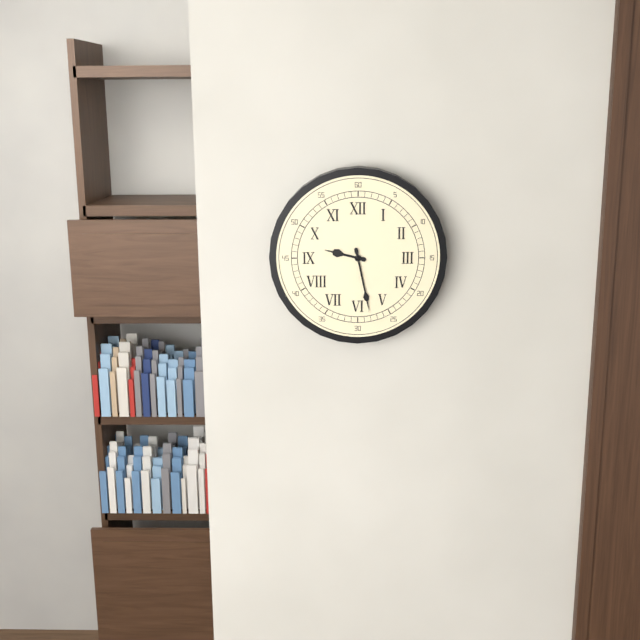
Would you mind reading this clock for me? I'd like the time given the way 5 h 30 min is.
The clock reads 9 h 28 min
